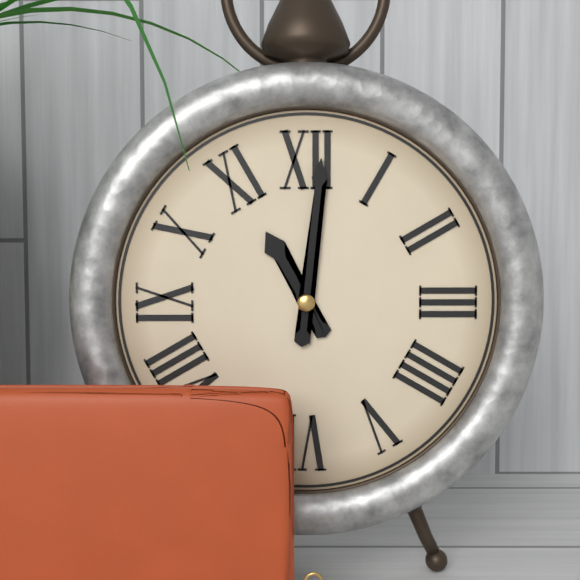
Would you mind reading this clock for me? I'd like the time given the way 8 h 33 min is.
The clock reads 11 h 01 min
